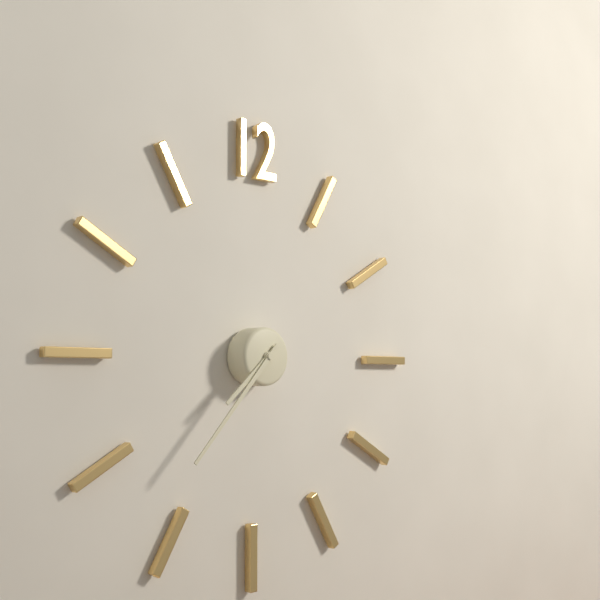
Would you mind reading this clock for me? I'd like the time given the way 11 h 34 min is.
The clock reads 7 h 37 min
